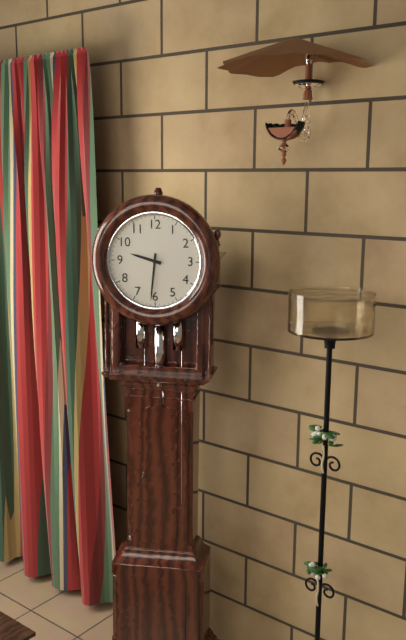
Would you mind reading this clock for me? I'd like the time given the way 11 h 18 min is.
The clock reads 9 h 31 min
